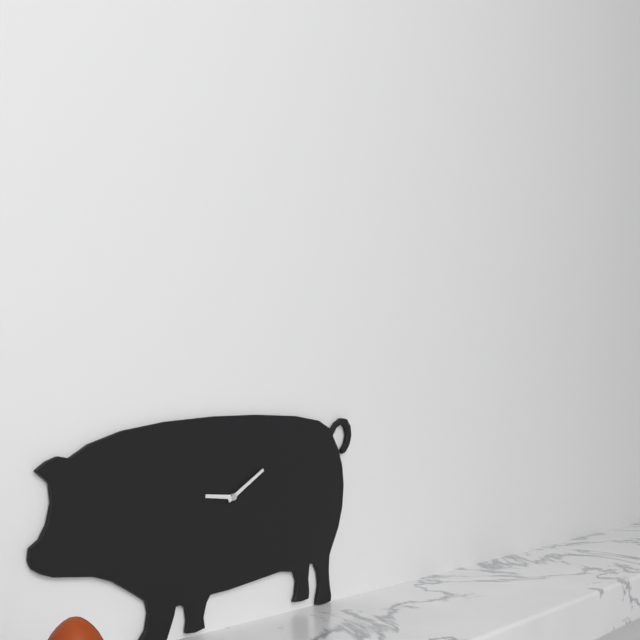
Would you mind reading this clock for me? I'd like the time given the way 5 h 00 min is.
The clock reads 9 h 10 min
